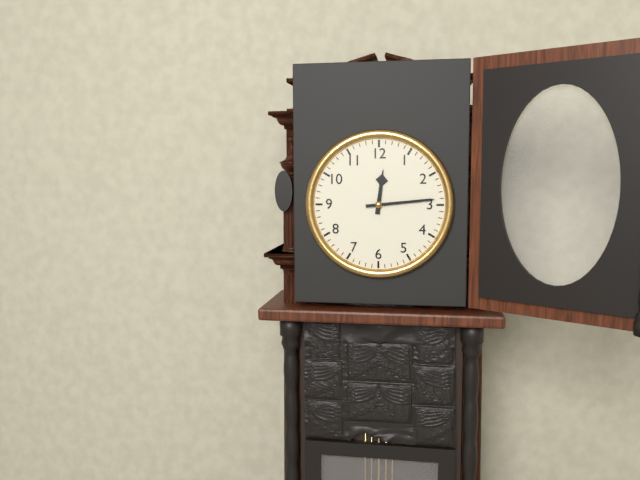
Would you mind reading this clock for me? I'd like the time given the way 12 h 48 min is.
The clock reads 12 h 14 min
